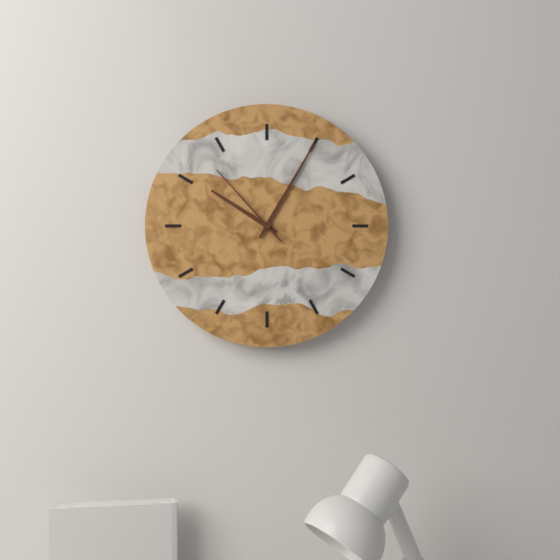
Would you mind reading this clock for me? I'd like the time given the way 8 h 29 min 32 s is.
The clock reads 10 h 05 min 53 s
